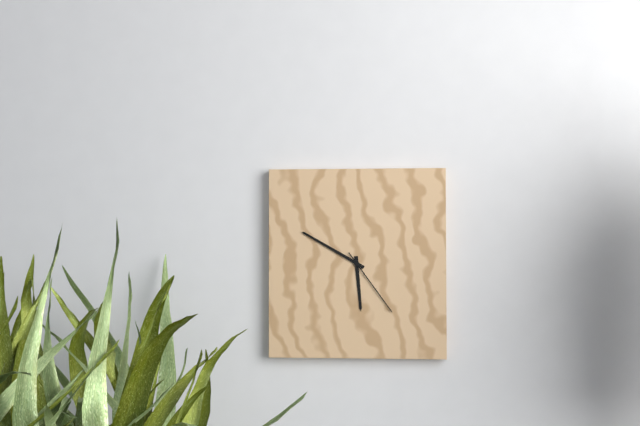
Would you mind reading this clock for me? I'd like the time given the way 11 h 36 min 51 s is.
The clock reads 5 h 50 min 24 s
